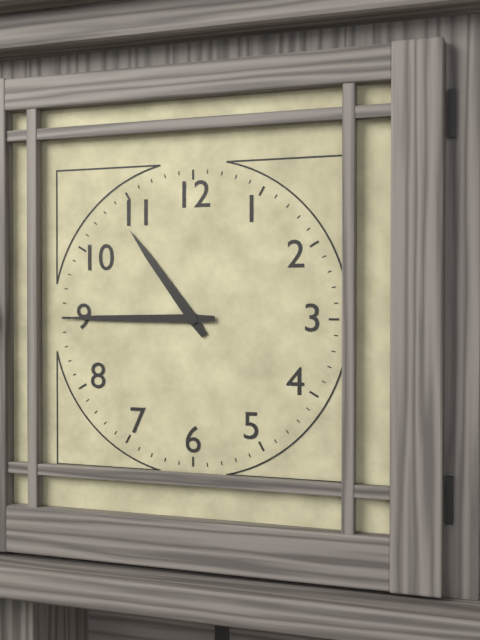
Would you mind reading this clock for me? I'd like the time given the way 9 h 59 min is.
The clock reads 10 h 45 min
